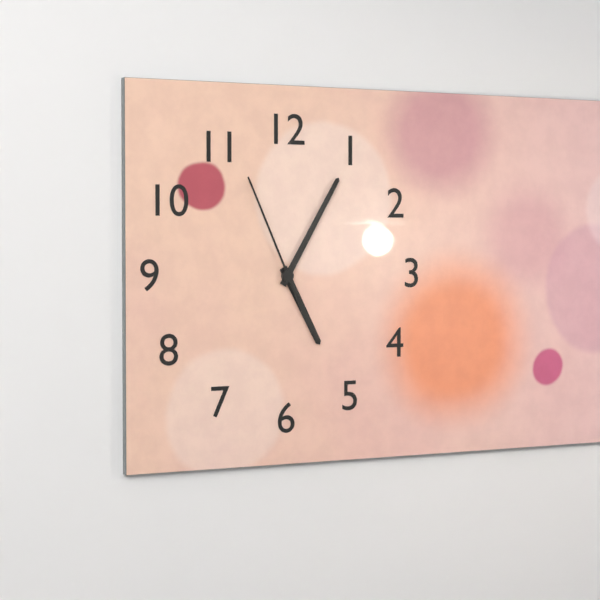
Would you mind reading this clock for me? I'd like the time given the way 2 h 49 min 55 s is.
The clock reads 5 h 05 min 56 s
